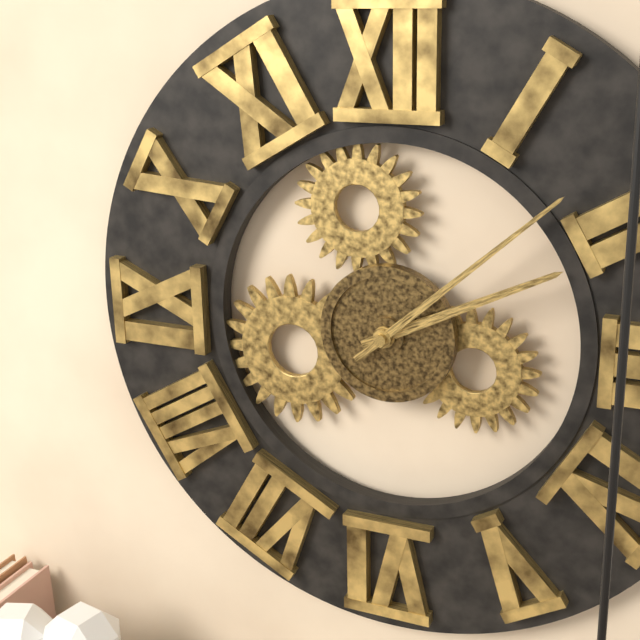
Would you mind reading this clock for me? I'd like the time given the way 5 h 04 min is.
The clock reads 2 h 08 min
